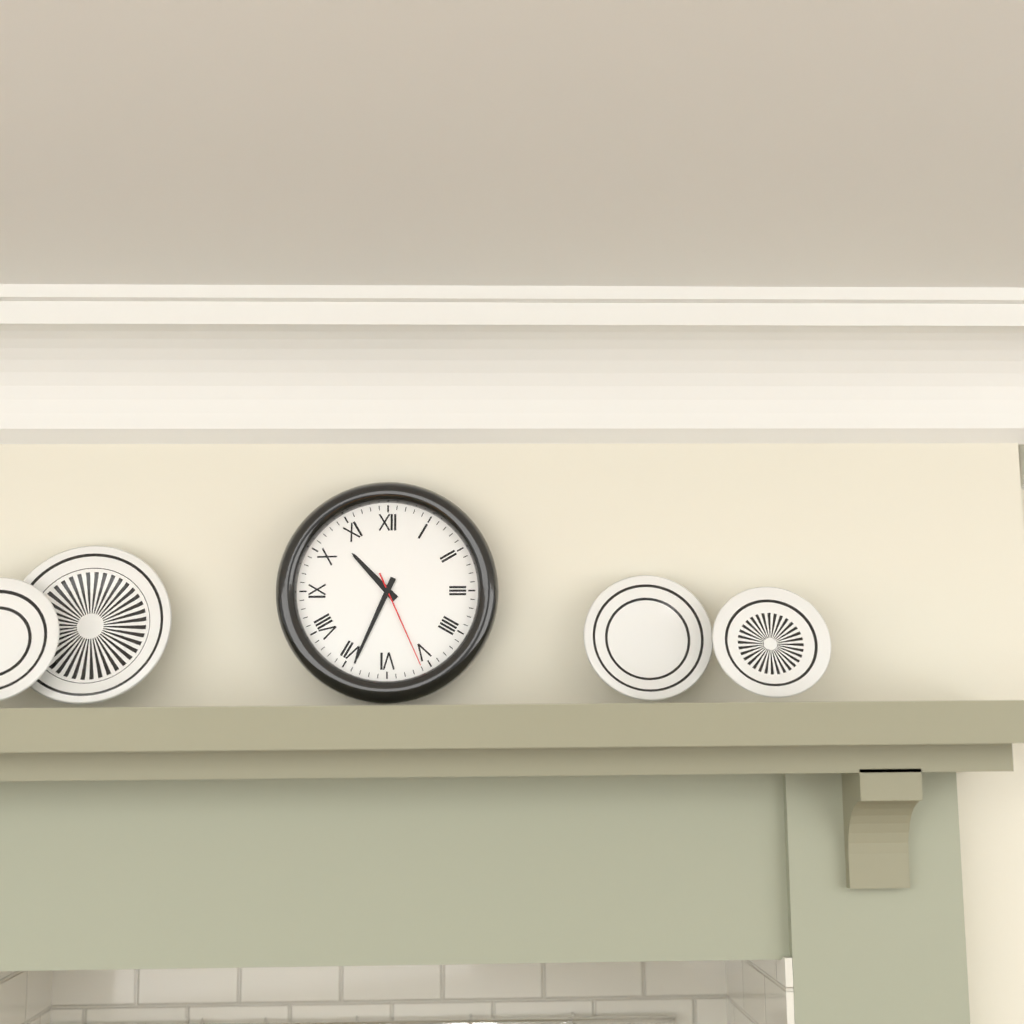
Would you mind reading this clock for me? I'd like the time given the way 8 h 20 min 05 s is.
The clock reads 10 h 34 min 26 s
